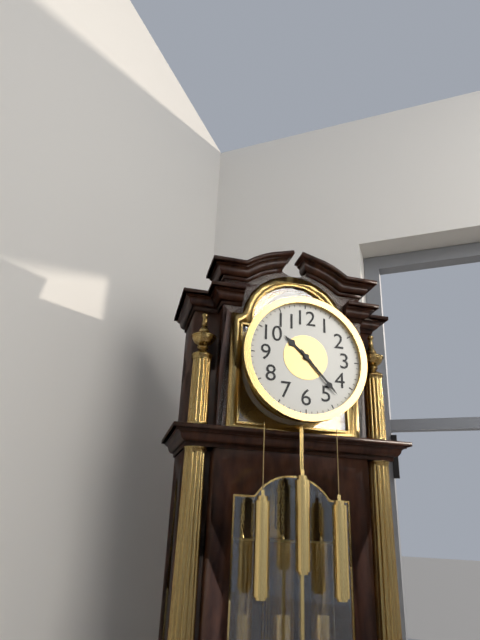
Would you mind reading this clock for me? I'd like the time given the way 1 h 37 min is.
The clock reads 10 h 23 min
